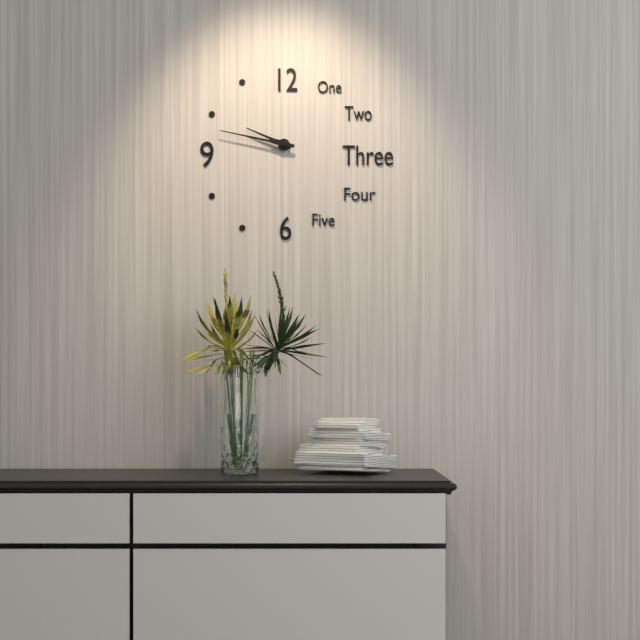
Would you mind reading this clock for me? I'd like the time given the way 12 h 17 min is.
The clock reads 9 h 47 min
